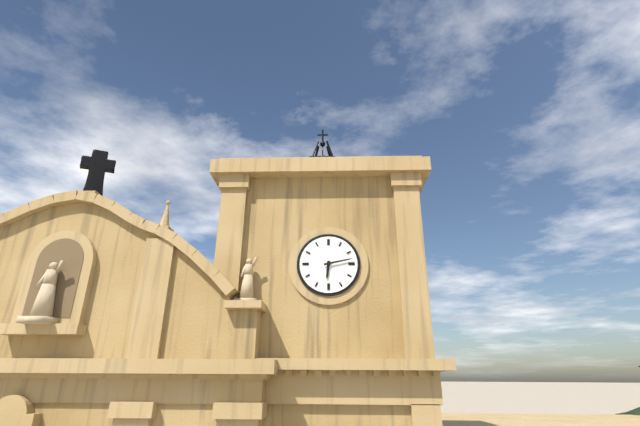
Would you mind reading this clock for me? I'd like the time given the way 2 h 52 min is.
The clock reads 6 h 13 min
